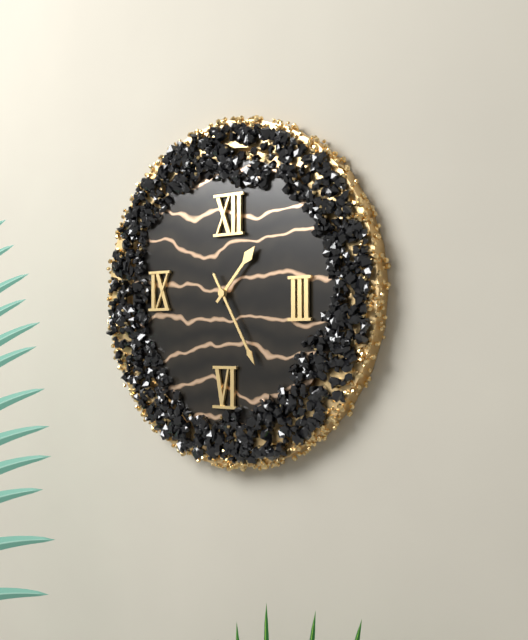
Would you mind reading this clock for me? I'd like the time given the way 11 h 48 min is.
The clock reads 1 h 25 min
